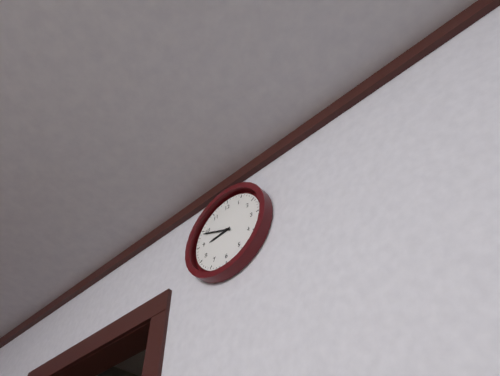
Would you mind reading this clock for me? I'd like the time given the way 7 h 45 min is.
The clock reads 8 h 49 min
